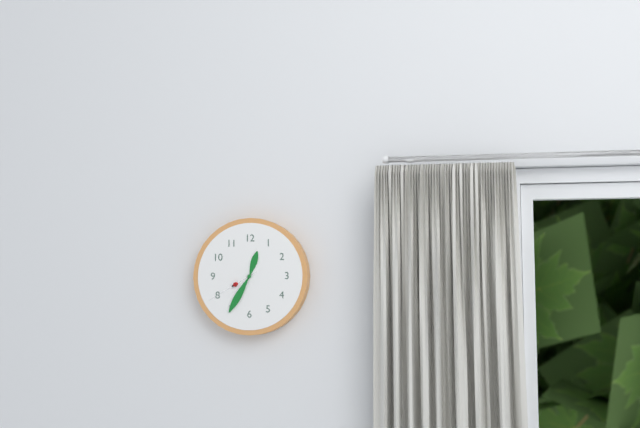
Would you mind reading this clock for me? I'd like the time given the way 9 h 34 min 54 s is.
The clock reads 12 h 35 min 40 s
